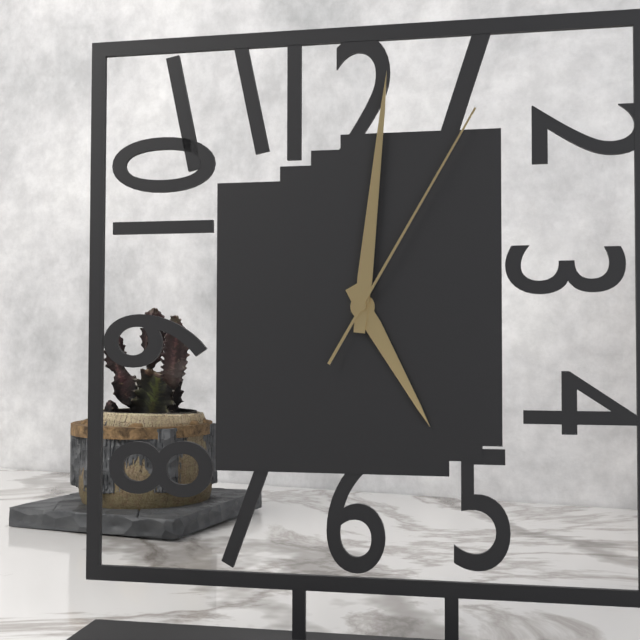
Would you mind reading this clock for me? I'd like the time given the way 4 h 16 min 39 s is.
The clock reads 5 h 01 min 05 s
